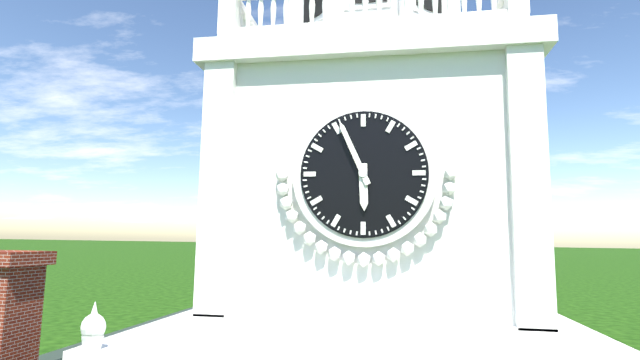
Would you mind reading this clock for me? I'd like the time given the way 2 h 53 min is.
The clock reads 5 h 56 min
